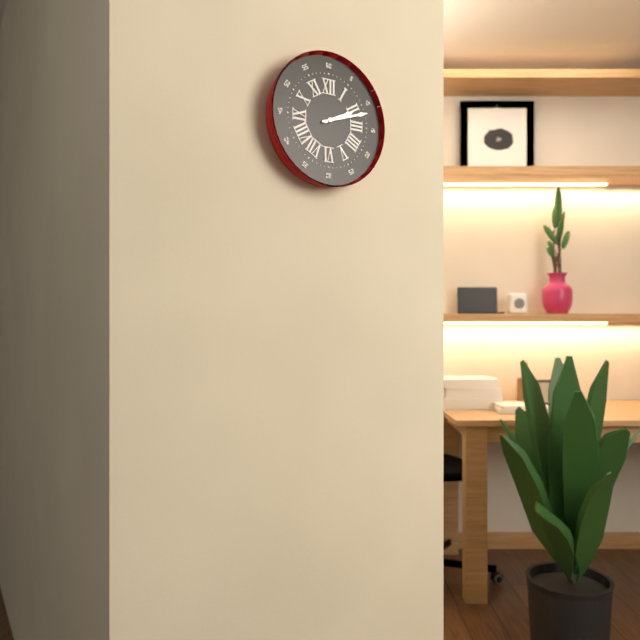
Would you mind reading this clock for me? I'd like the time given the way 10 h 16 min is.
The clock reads 2 h 12 min
